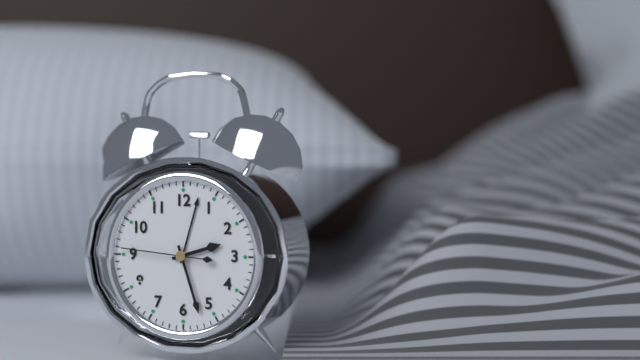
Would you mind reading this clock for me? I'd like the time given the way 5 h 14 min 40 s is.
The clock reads 2 h 27 min 46 s
